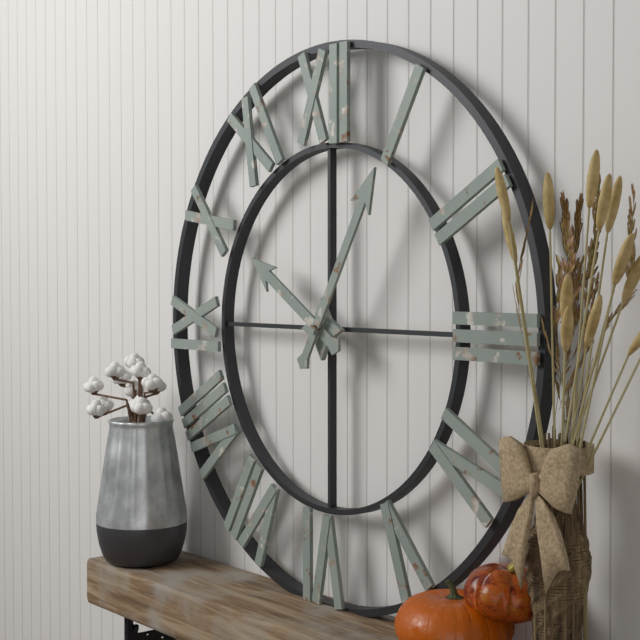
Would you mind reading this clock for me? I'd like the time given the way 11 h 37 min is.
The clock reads 10 h 05 min
